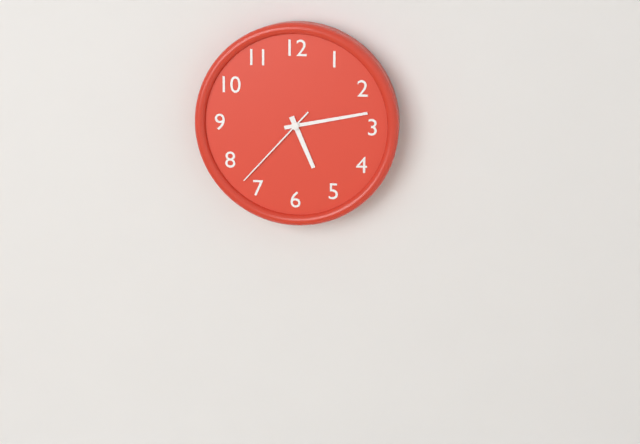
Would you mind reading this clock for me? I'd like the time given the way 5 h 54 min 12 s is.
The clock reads 5 h 13 min 37 s
